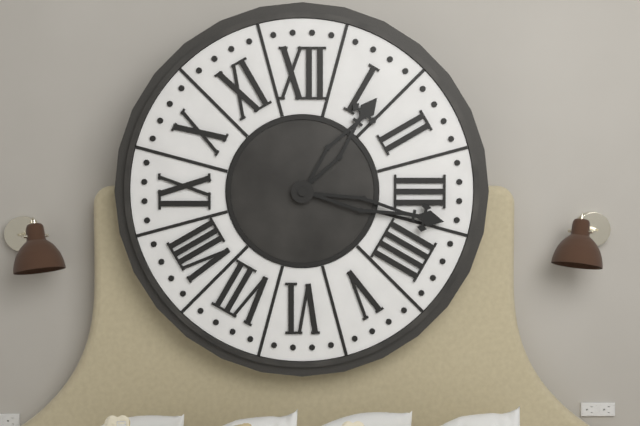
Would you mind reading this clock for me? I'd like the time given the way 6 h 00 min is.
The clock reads 1 h 17 min
